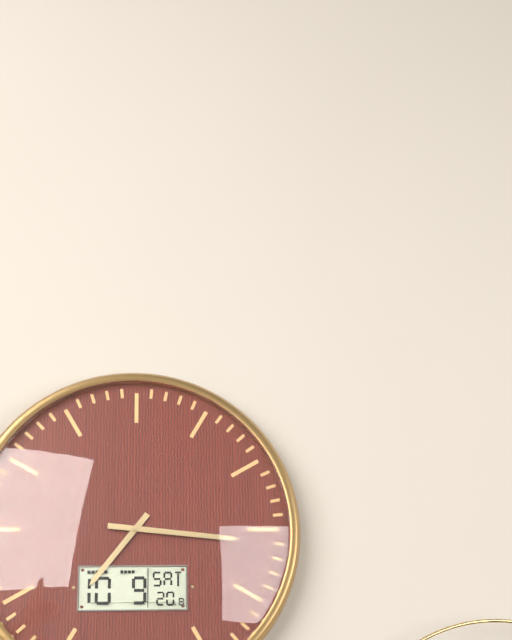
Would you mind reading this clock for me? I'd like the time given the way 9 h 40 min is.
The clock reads 7 h 16 min
